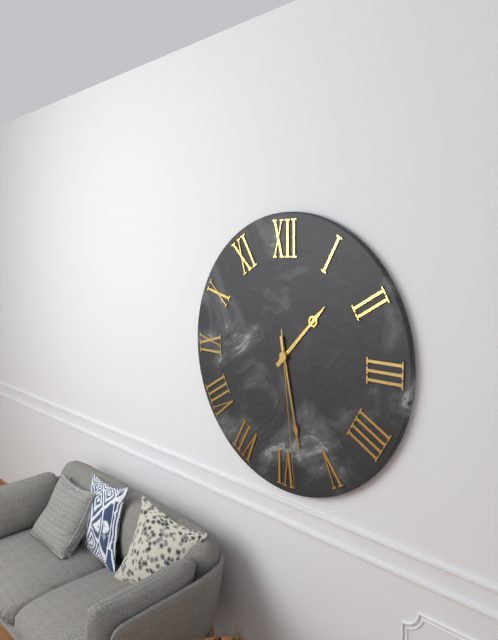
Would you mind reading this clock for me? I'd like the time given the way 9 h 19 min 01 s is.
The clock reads 1 h 28 min 29 s
